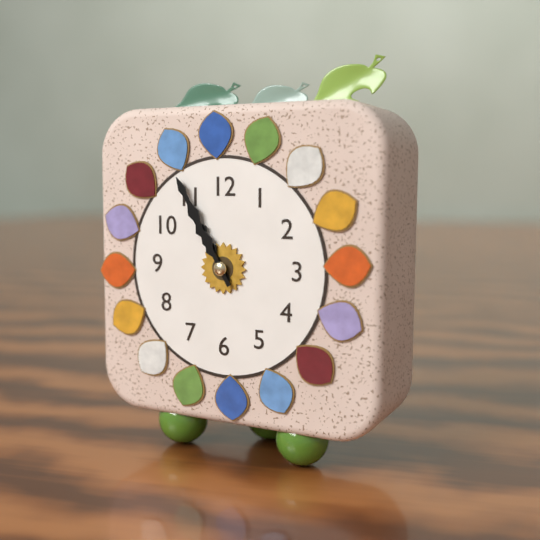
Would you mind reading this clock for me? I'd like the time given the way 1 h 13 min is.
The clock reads 10 h 55 min
